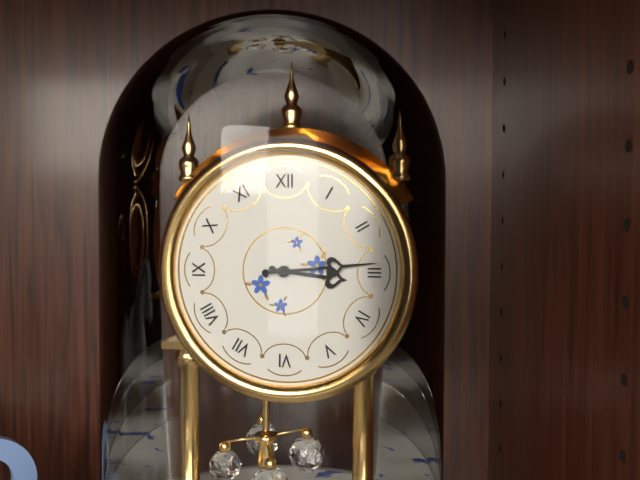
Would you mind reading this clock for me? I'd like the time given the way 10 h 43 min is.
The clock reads 3 h 14 min
